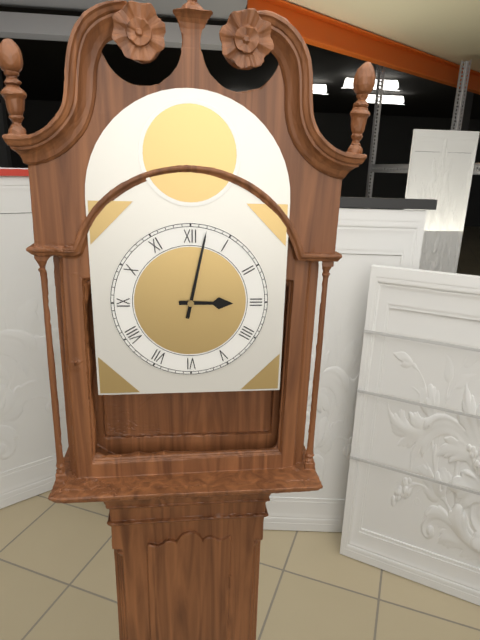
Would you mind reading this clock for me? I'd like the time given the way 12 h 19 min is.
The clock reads 3 h 02 min
